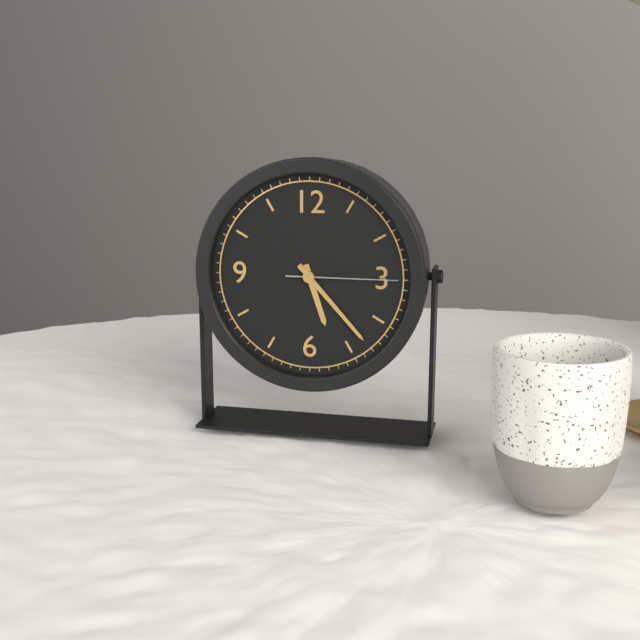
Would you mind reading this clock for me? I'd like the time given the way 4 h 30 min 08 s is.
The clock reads 5 h 23 min 15 s
